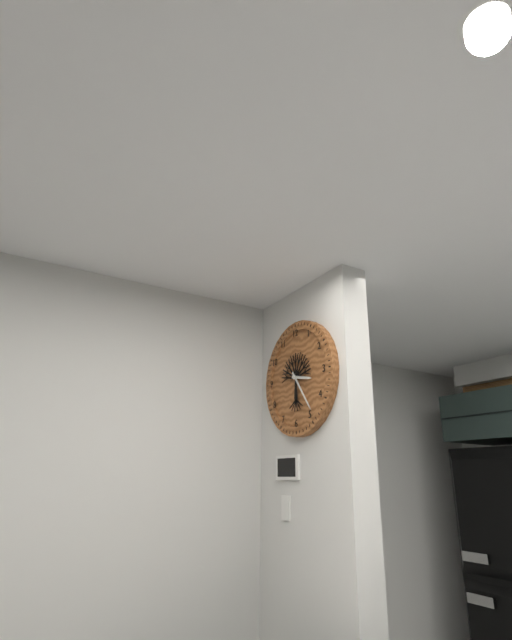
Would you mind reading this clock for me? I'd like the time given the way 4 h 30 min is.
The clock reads 3 h 24 min
